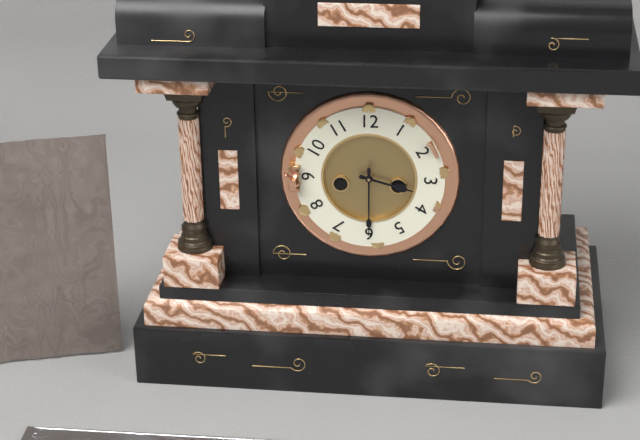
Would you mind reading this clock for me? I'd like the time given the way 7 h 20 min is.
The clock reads 3 h 30 min
